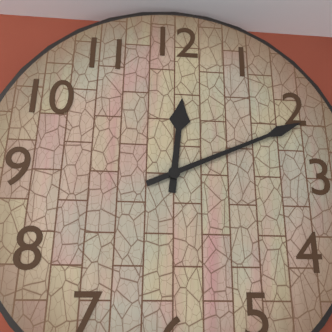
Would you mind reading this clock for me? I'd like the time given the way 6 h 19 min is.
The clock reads 12 h 11 min
